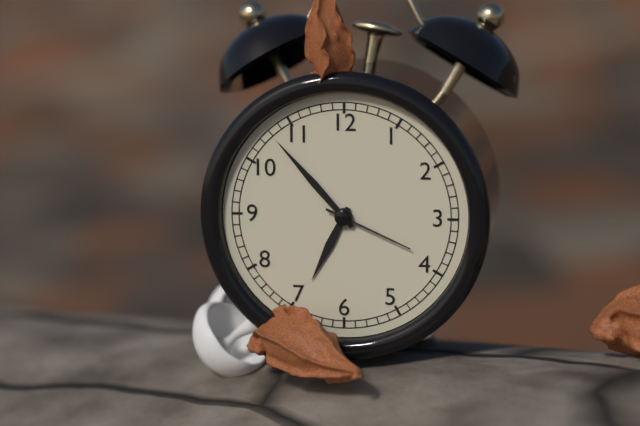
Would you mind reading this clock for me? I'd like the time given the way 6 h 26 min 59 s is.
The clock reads 6 h 53 min 19 s
